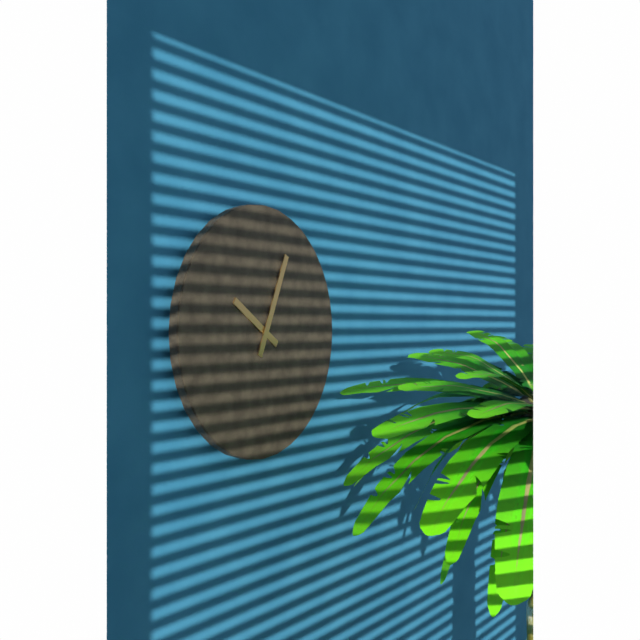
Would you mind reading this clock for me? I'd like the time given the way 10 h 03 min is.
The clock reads 10 h 04 min
